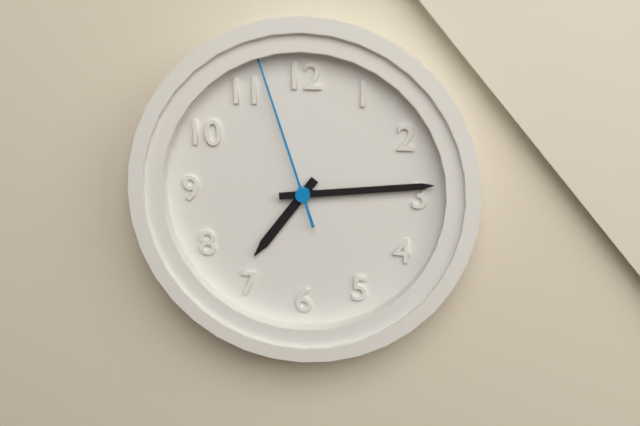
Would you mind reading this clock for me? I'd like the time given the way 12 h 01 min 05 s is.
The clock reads 7 h 14 min 57 s
